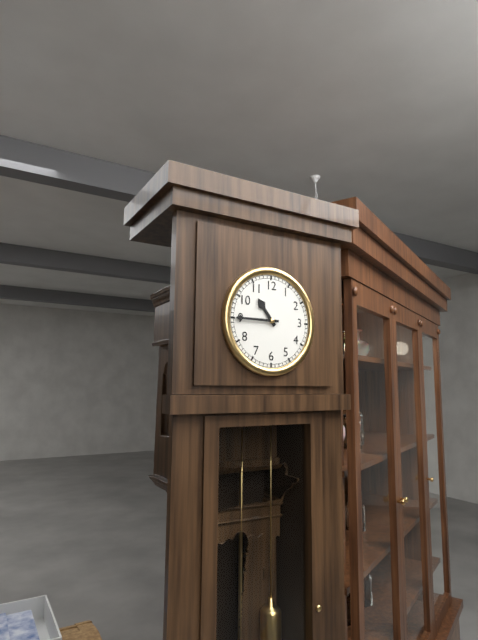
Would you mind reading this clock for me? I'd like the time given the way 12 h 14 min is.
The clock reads 10 h 45 min
